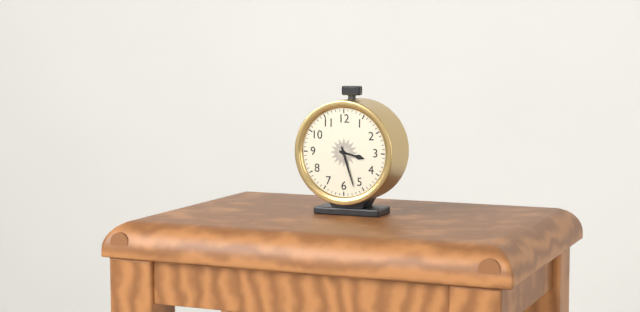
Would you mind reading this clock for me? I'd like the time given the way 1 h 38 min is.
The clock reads 3 h 27 min
